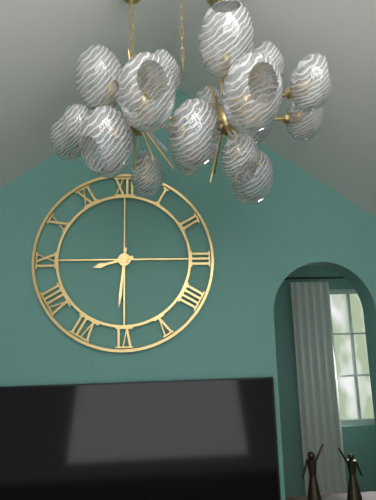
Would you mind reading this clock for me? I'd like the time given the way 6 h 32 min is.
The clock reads 8 h 31 min
